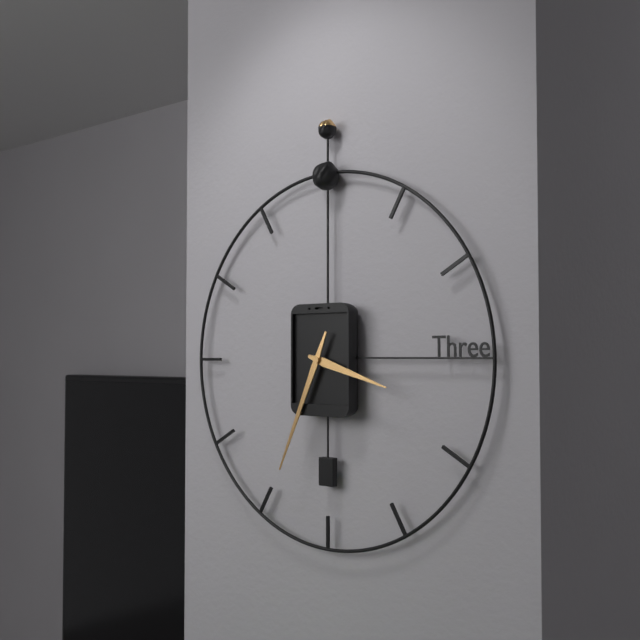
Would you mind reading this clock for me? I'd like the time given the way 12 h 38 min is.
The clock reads 3 h 34 min
